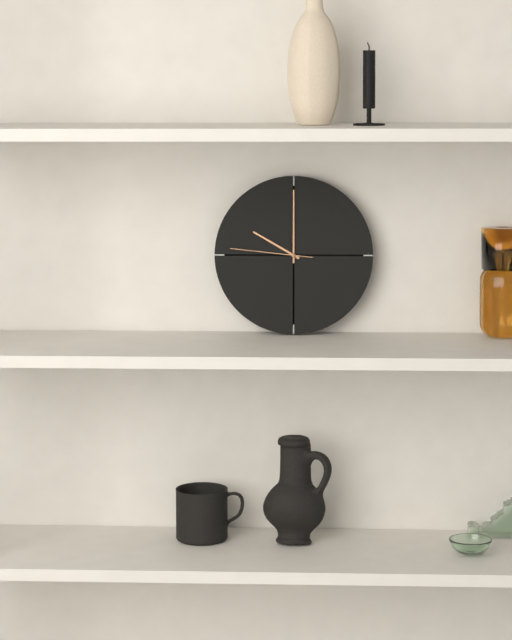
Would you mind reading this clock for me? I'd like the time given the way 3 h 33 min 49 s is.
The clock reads 10 h 00 min 46 s
